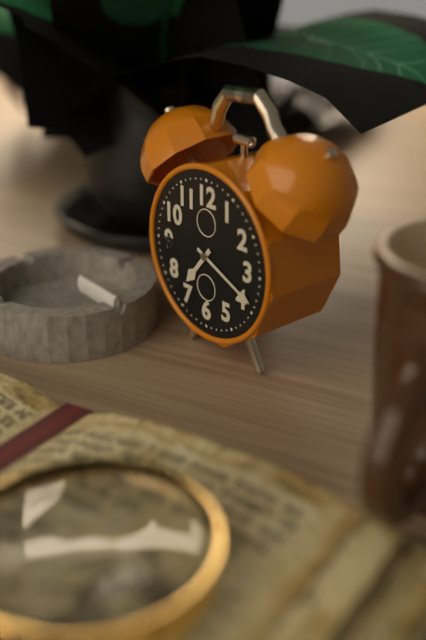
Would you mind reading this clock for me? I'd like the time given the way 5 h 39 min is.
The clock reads 7 h 19 min
